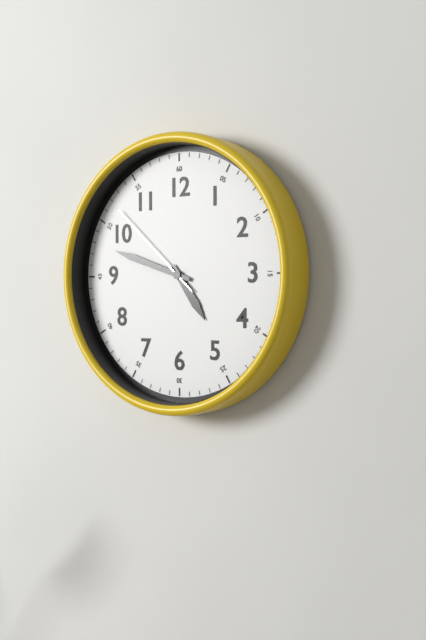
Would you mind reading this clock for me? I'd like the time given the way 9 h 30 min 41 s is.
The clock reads 4 h 48 min 52 s
